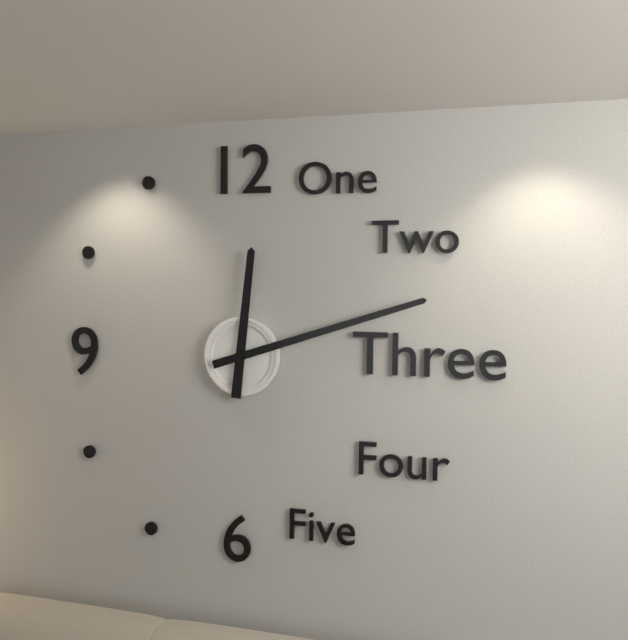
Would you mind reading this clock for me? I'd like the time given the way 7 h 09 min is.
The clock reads 12 h 12 min
